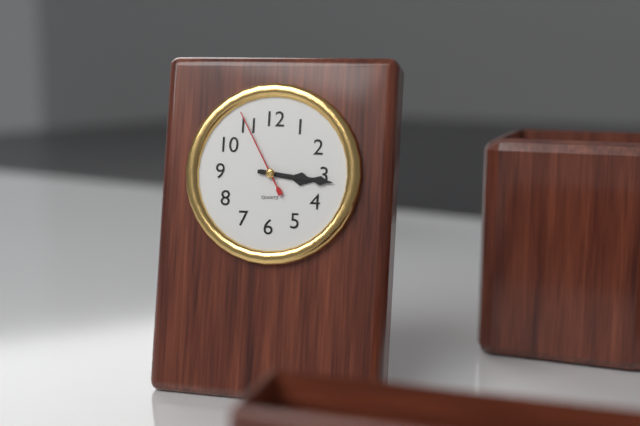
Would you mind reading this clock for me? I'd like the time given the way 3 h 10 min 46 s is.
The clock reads 3 h 16 min 55 s
